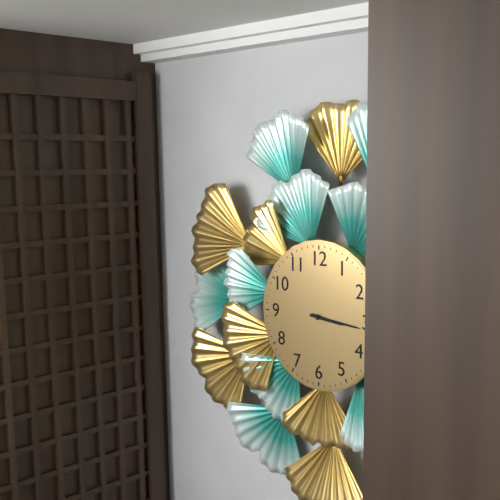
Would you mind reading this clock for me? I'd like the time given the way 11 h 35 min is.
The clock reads 3 h 16 min
